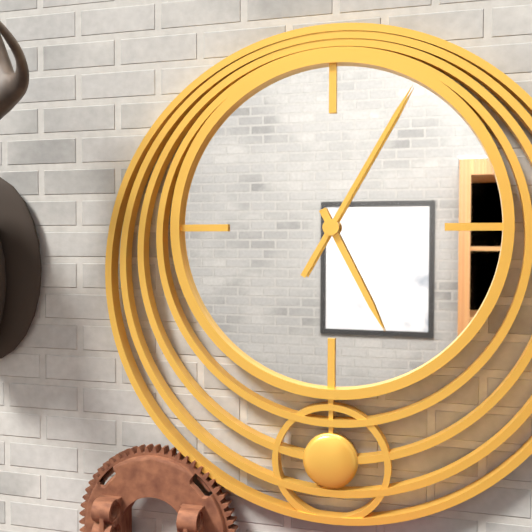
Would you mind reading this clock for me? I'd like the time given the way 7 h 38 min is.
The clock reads 5 h 05 min
